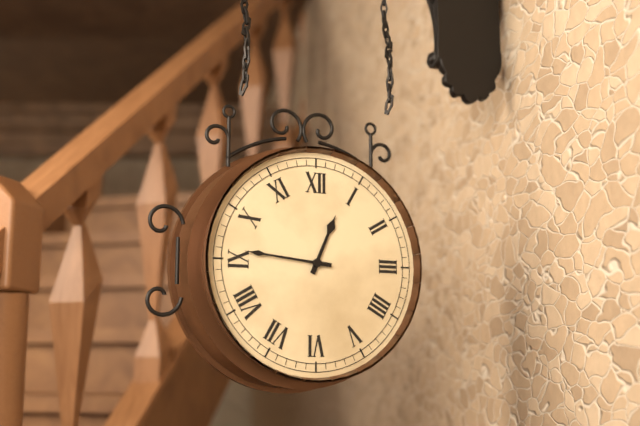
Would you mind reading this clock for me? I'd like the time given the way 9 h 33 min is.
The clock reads 12 h 46 min
